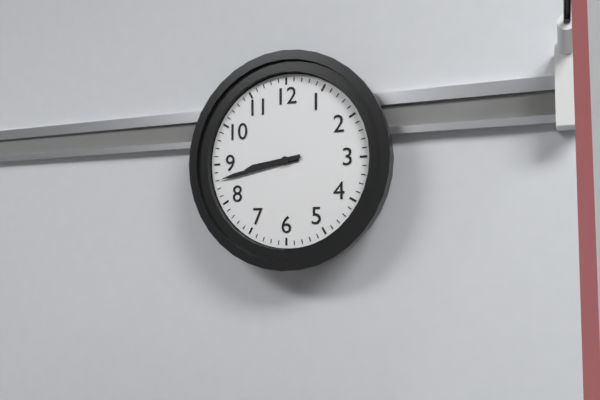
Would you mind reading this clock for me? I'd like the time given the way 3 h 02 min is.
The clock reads 8 h 43 min
